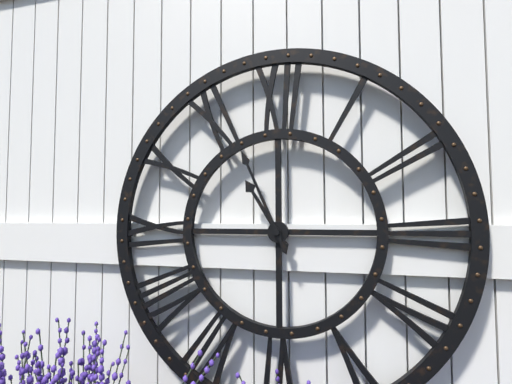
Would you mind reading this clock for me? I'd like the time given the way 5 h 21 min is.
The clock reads 10 h 56 min
